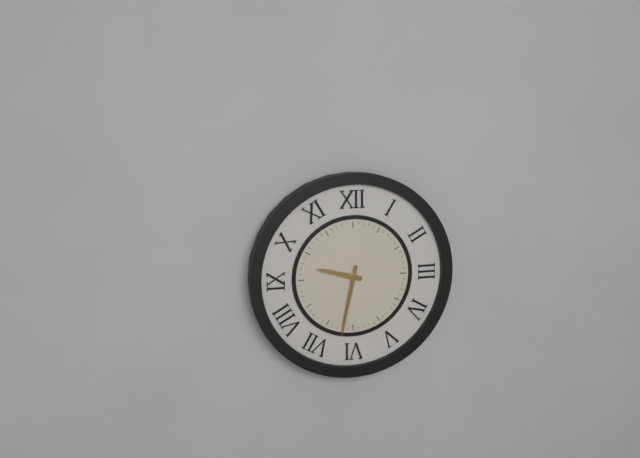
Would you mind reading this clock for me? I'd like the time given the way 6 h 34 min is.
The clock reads 9 h 32 min
